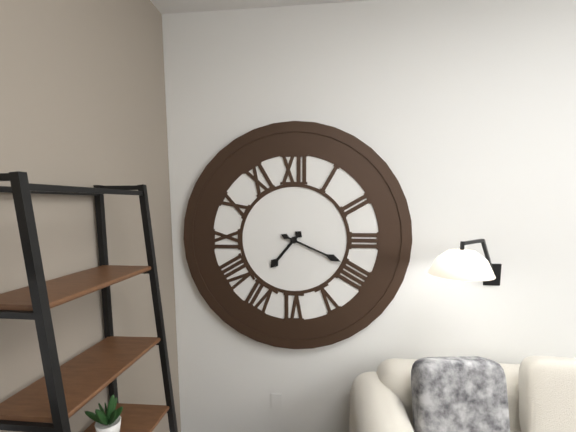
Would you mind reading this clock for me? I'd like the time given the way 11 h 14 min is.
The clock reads 7 h 19 min
